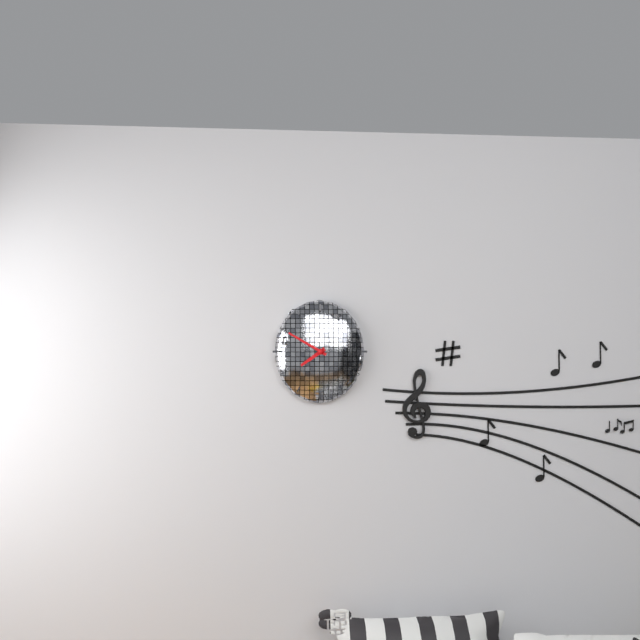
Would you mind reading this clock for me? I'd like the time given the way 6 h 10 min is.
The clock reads 7 h 50 min
